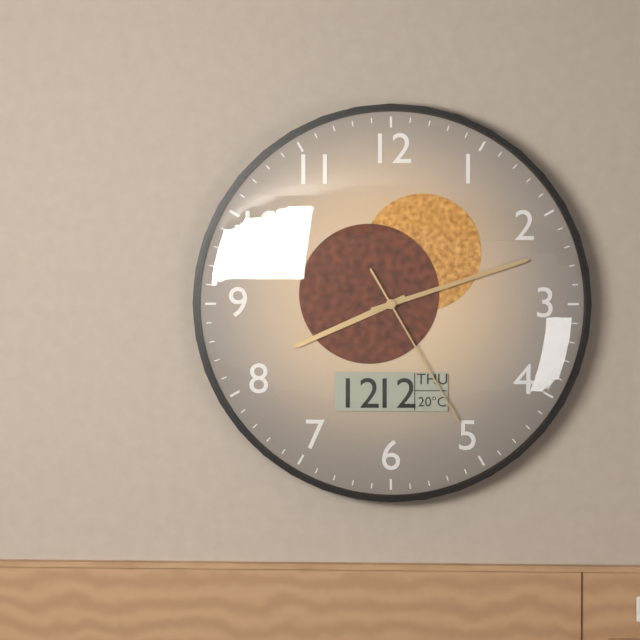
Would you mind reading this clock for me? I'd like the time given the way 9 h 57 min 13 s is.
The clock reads 8 h 12 min 25 s
